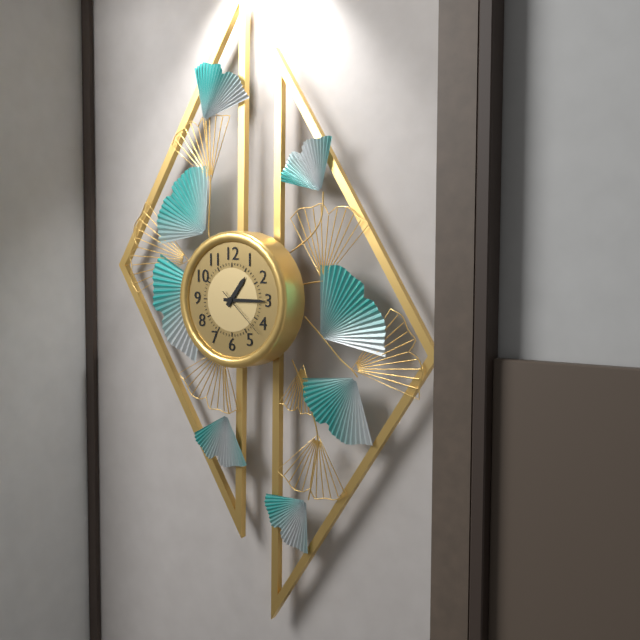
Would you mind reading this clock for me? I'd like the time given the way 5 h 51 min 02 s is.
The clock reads 1 h 15 min 22 s
